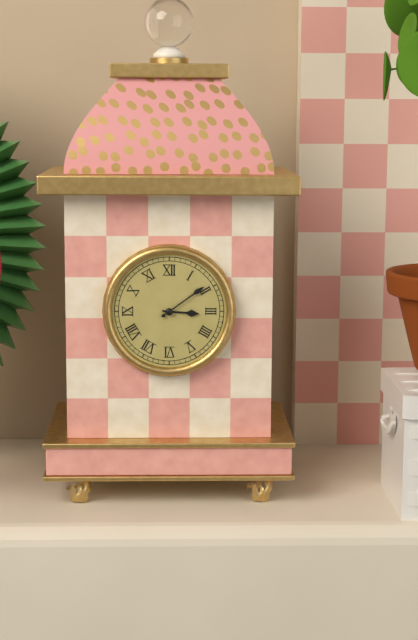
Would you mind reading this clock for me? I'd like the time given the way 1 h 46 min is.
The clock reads 3 h 09 min
